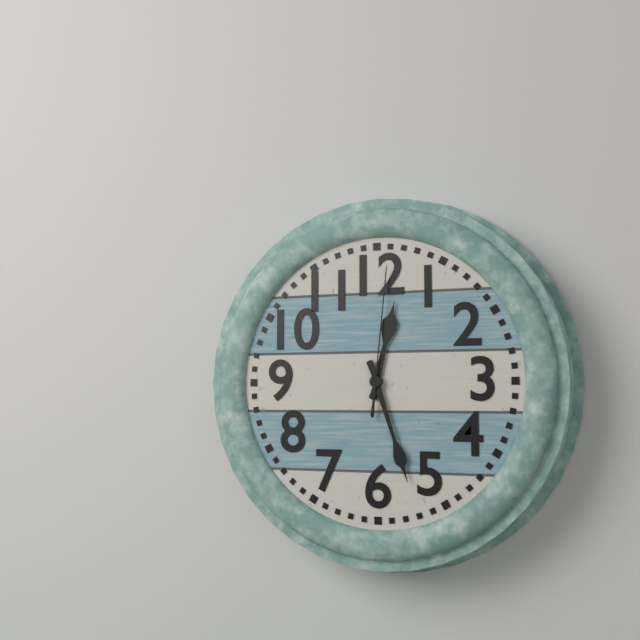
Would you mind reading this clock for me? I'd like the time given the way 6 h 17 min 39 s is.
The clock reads 12 h 27 min 01 s
